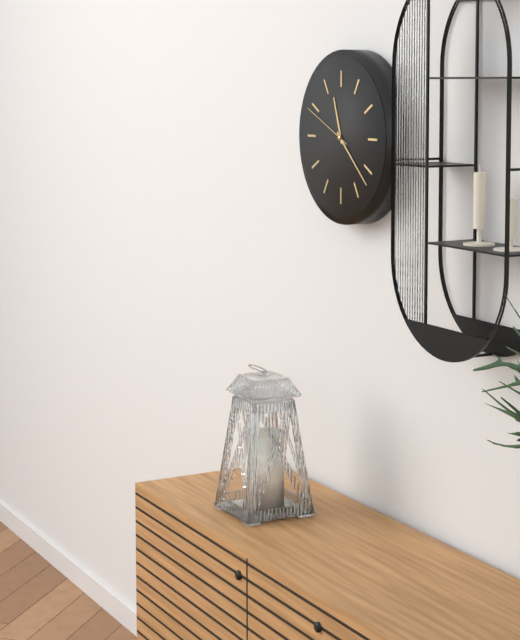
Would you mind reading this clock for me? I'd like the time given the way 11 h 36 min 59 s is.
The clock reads 11 h 22 min 49 s
